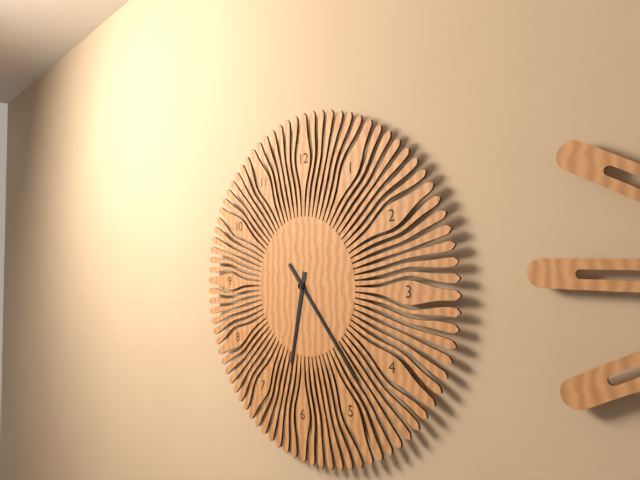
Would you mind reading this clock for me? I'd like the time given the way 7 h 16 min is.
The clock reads 6 h 23 min
